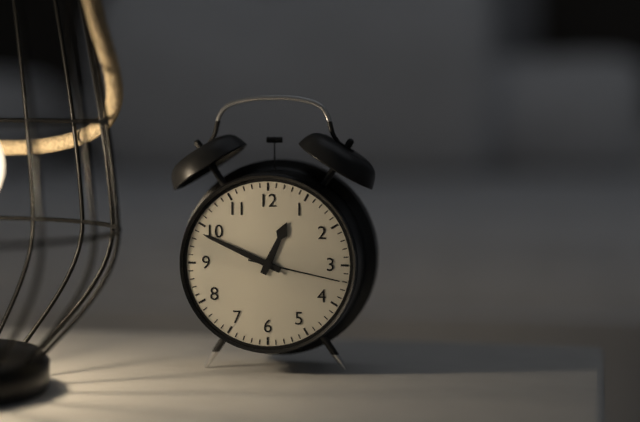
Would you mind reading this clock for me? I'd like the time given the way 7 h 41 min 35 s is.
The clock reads 12 h 49 min 17 s
